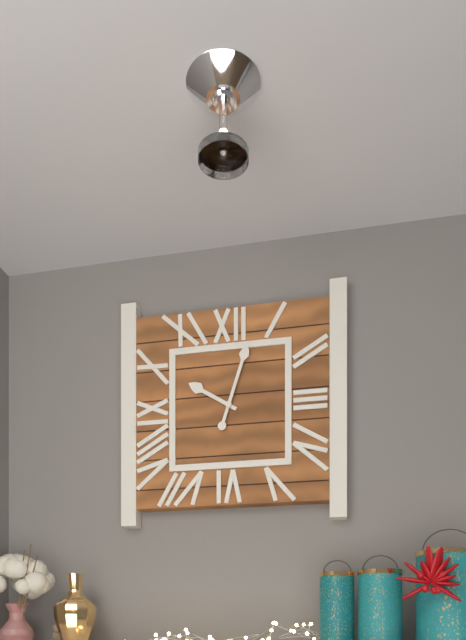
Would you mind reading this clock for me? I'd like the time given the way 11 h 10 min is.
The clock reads 10 h 03 min
